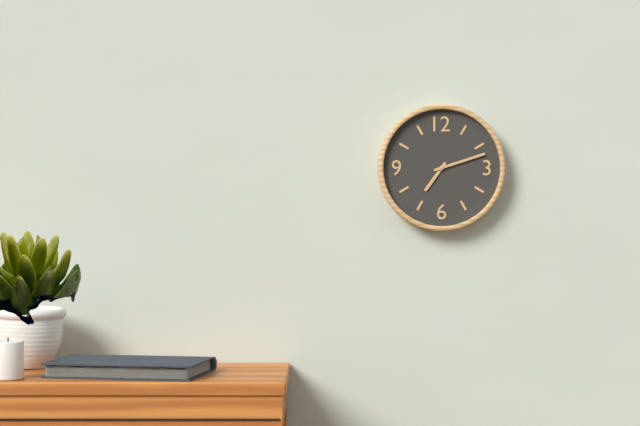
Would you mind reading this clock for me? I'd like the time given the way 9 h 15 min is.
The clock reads 7 h 12 min
